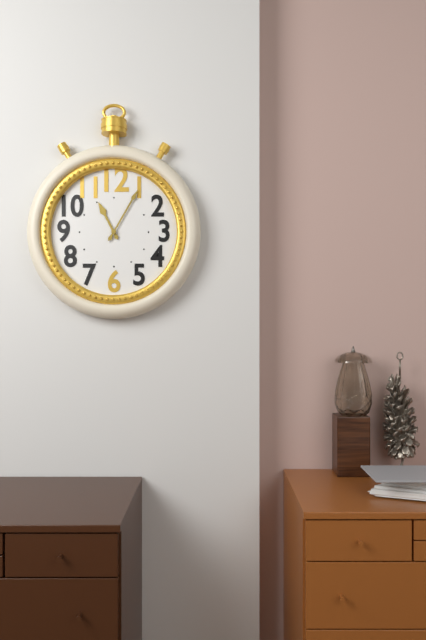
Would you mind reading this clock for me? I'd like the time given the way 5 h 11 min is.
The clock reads 11 h 05 min
